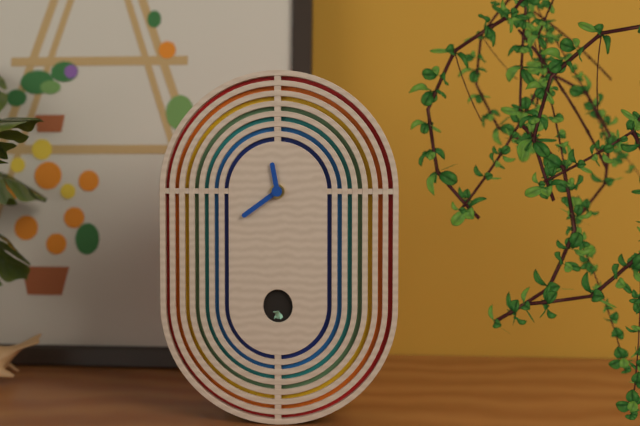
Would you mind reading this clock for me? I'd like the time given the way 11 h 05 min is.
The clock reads 11 h 39 min
